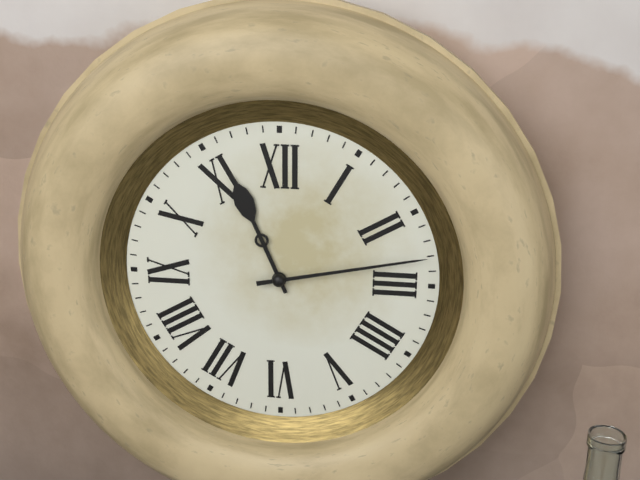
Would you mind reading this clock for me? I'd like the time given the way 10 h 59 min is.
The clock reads 11 h 13 min
